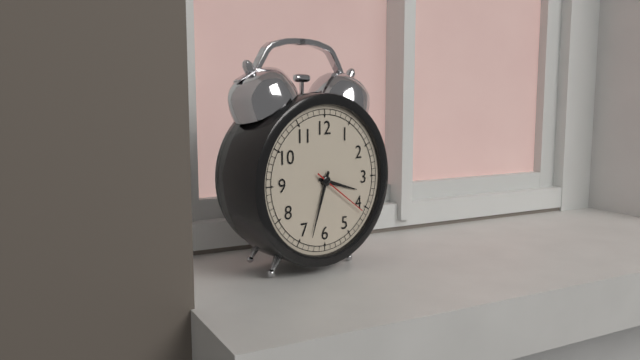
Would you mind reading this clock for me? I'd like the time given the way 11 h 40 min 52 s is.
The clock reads 3 h 33 min 21 s
